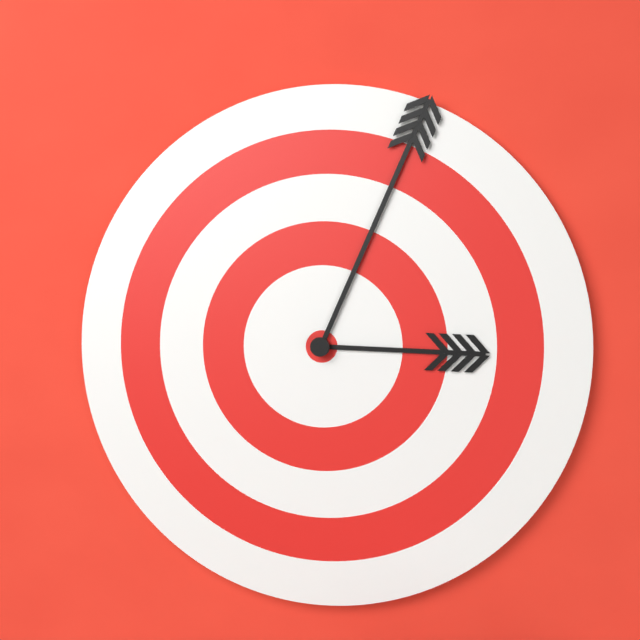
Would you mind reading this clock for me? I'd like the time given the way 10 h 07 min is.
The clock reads 3 h 04 min
